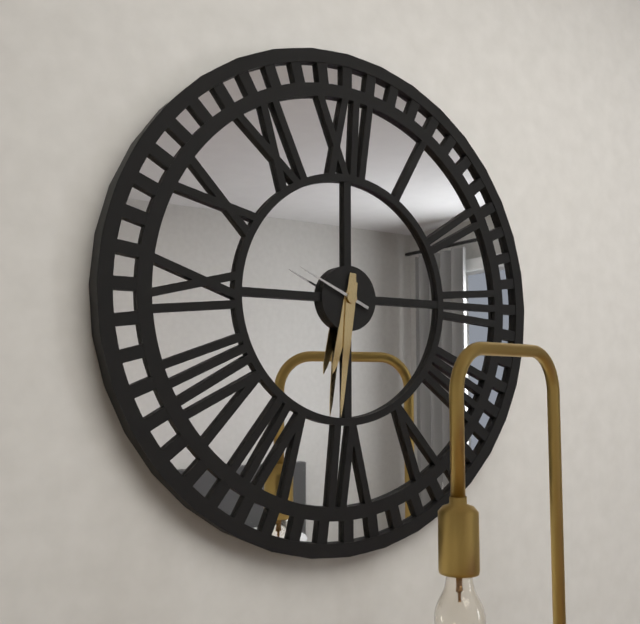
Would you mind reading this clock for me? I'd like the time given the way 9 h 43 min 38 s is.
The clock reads 6 h 31 min 49 s
